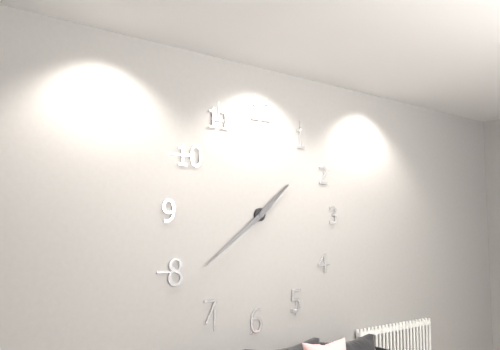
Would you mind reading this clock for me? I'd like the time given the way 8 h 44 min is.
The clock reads 1 h 39 min
